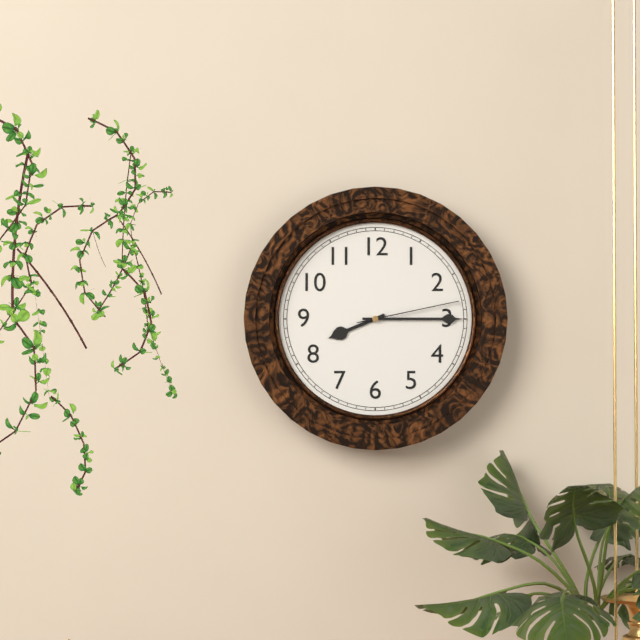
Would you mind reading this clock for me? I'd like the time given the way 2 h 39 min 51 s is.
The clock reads 8 h 15 min 13 s
